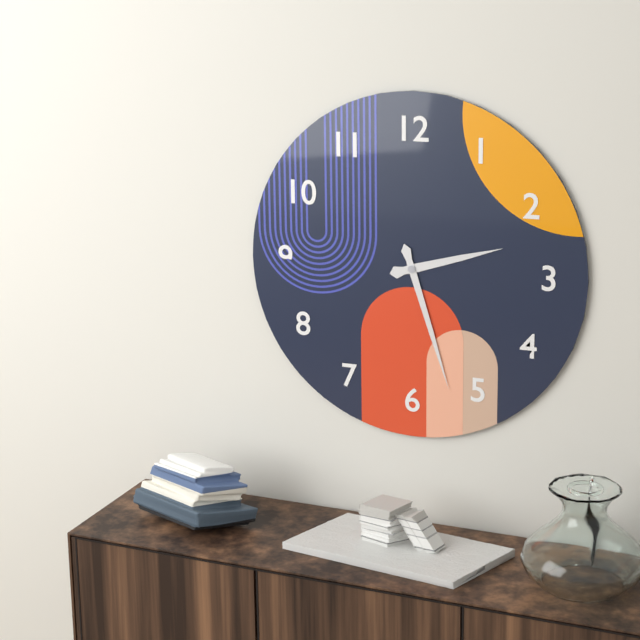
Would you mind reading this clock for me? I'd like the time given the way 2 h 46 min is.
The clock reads 2 h 27 min
